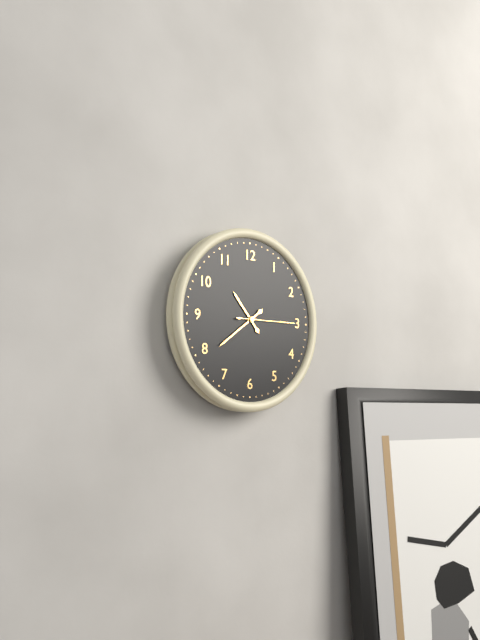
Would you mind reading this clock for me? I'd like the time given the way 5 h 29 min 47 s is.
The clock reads 10 h 39 min 15 s
